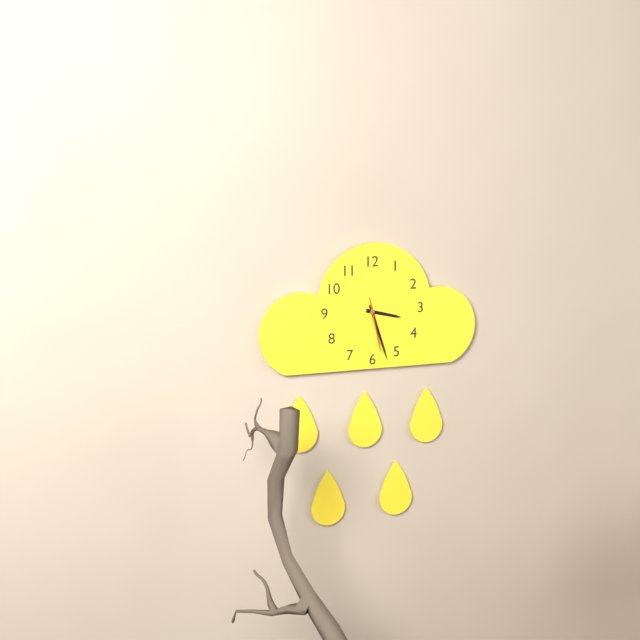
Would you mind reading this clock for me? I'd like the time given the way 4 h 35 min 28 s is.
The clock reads 3 h 27 min 28 s
